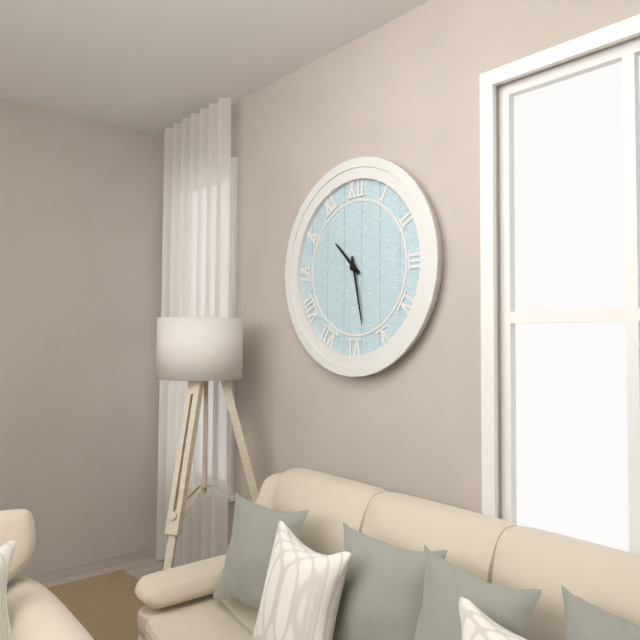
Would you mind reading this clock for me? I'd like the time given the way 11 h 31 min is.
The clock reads 10 h 28 min
